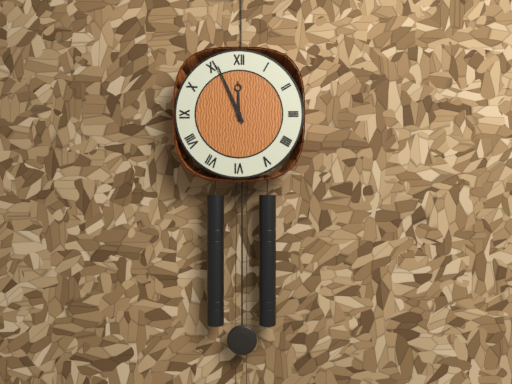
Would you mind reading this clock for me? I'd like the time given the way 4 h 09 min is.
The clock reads 11 h 56 min
